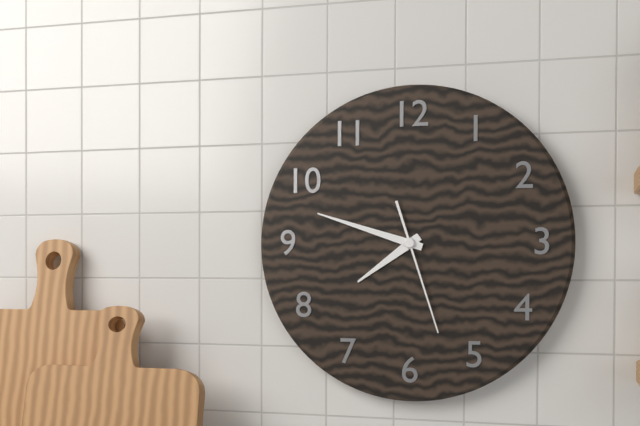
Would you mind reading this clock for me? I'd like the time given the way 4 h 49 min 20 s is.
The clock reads 7 h 48 min 27 s
